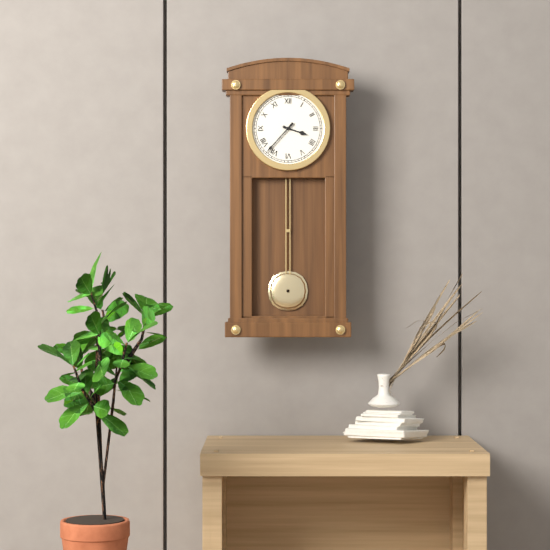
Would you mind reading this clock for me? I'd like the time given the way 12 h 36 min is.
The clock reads 3 h 37 min
